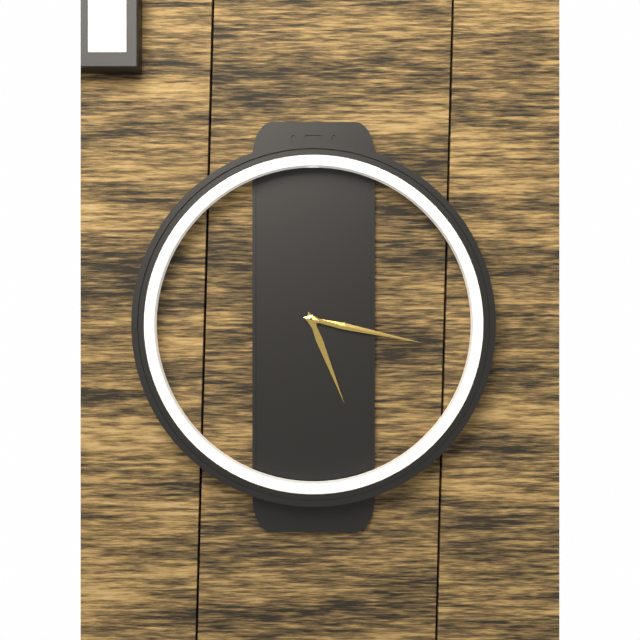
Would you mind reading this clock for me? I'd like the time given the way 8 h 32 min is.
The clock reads 5 h 17 min
